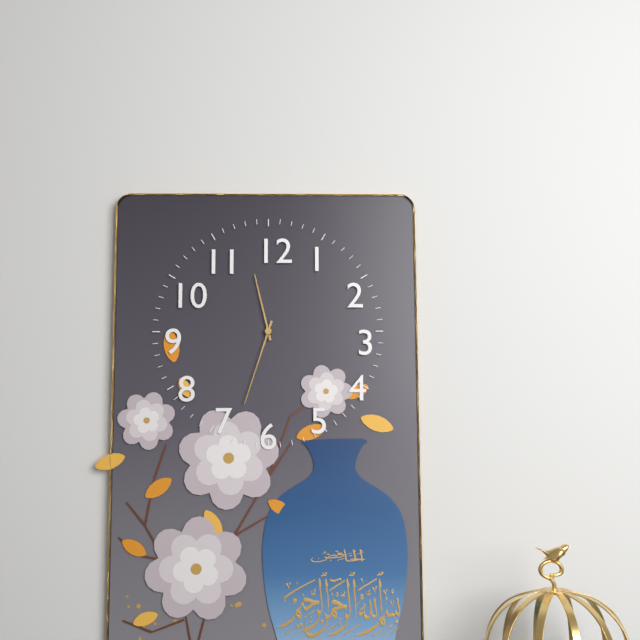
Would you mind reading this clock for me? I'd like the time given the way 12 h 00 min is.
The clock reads 11 h 33 min
